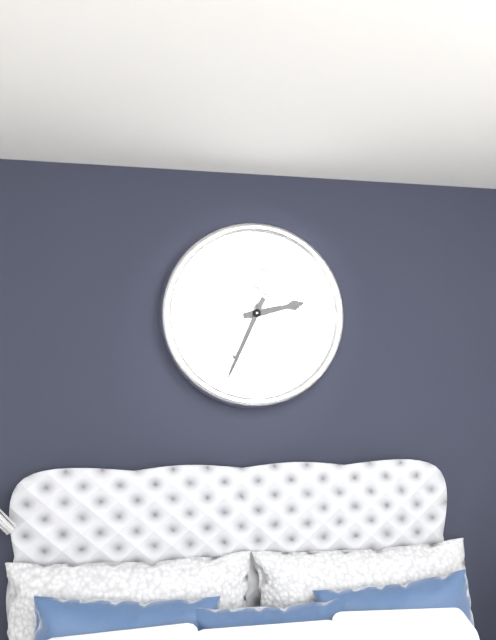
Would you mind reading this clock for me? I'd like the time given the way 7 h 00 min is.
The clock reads 2 h 34 min
